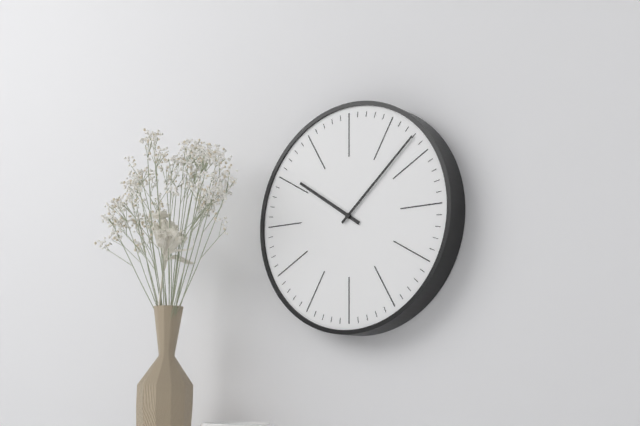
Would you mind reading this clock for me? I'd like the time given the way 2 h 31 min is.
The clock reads 10 h 08 min
